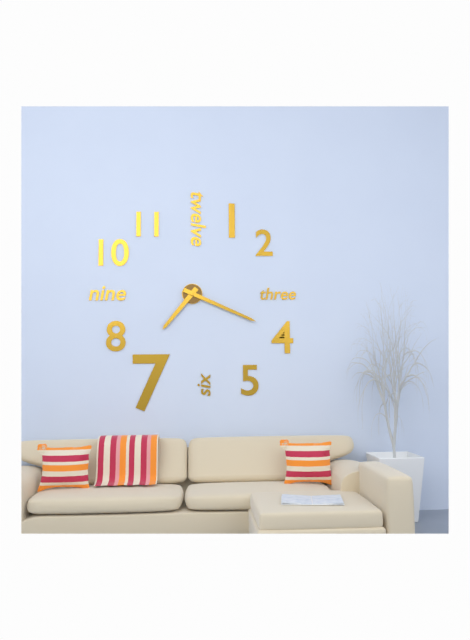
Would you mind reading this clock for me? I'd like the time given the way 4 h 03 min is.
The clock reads 7 h 19 min
